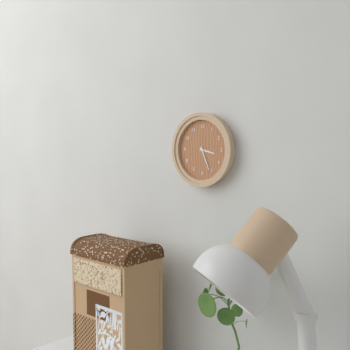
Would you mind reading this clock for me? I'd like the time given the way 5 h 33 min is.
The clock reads 3 h 26 min
